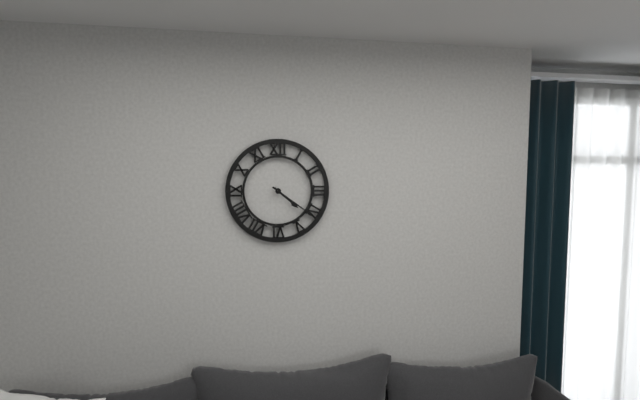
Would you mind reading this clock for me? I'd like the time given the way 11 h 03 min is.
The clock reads 4 h 21 min
